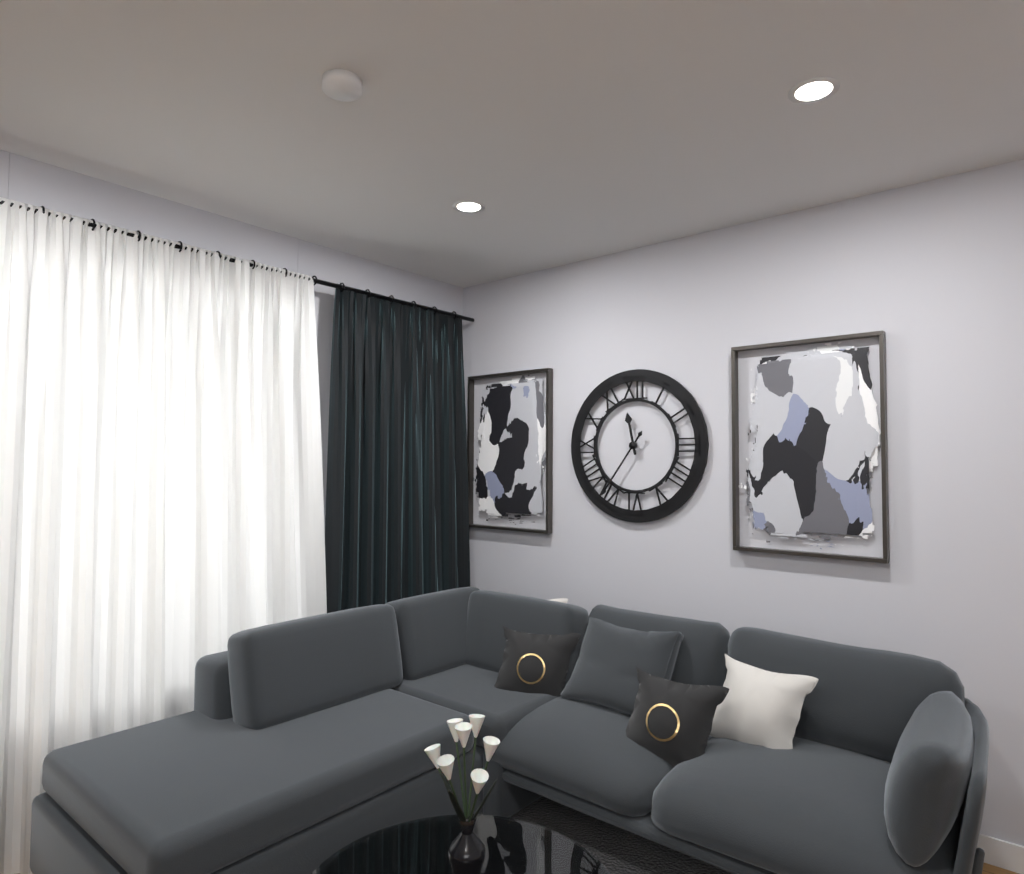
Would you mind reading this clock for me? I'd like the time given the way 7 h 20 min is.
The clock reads 11 h 36 min
